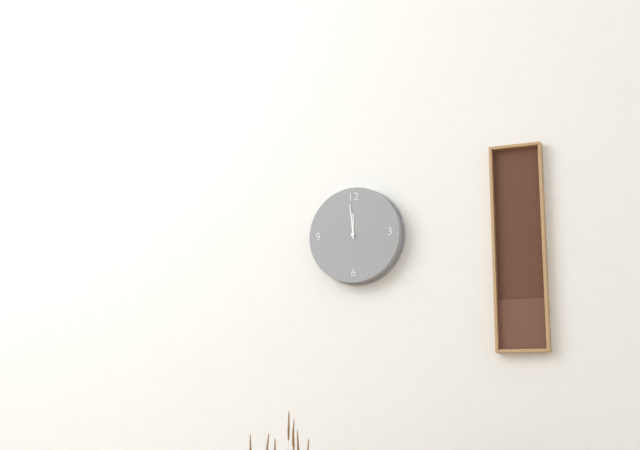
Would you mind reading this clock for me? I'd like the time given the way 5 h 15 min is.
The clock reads 11 h 59 min
